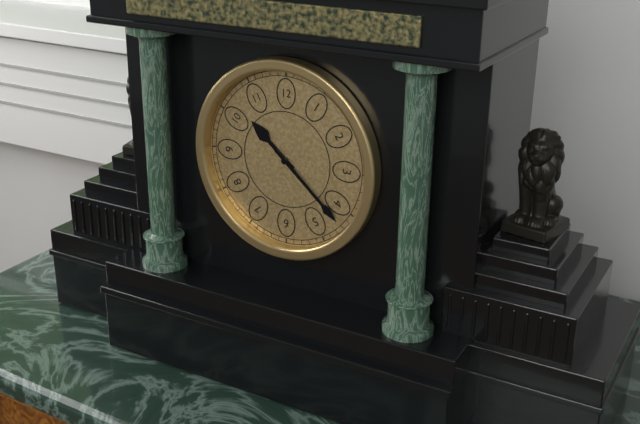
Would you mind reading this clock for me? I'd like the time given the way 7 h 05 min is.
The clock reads 10 h 22 min
